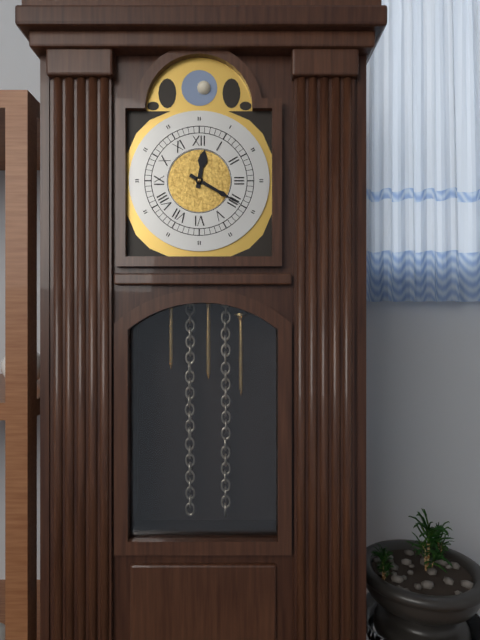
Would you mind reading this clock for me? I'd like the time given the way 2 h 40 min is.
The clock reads 12 h 20 min
